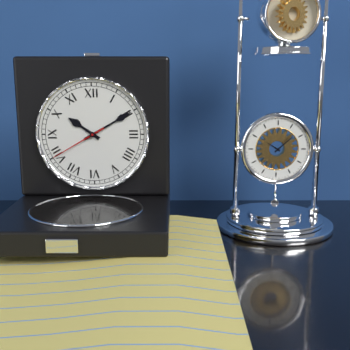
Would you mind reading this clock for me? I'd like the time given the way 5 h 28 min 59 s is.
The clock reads 10 h 10 min 40 s
